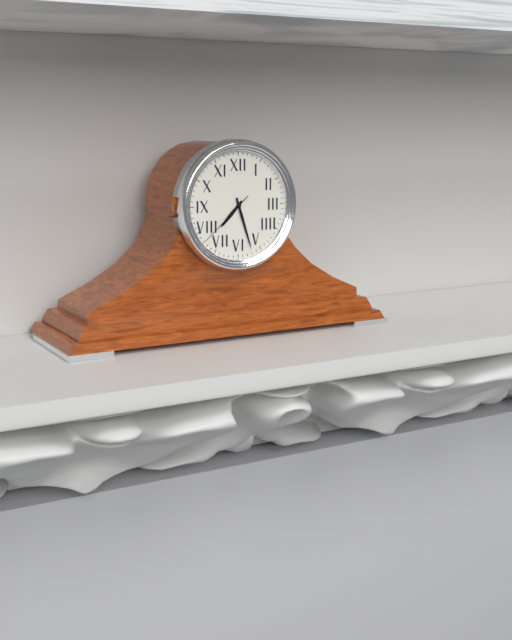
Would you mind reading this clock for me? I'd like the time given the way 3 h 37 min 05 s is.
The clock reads 7 h 27 min 38 s
